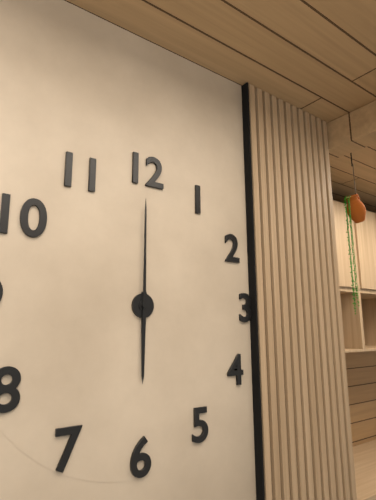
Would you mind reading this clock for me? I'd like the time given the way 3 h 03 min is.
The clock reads 6 h 00 min
